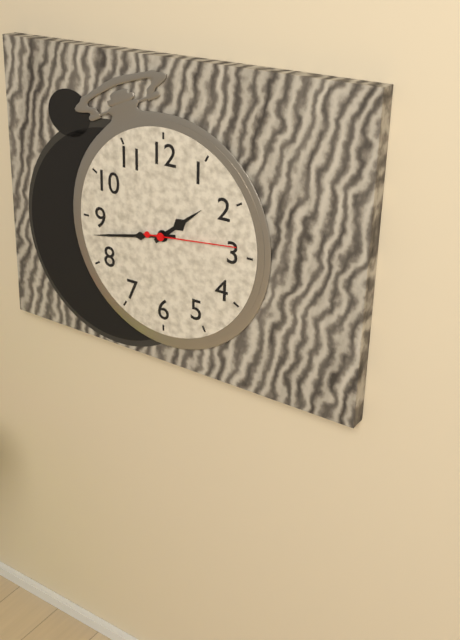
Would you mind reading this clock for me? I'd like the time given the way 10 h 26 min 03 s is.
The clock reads 1 h 43 min 14 s
